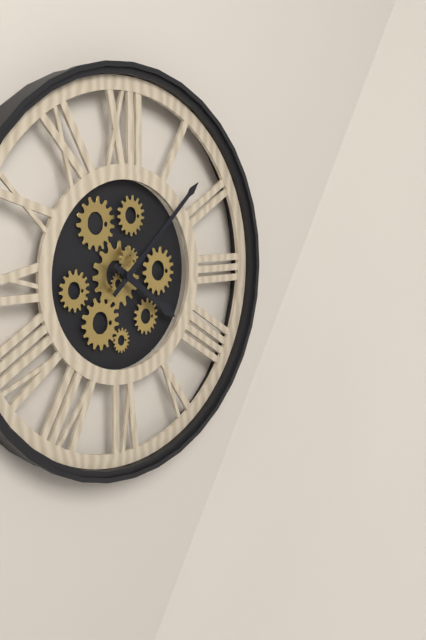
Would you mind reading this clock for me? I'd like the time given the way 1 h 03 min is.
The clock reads 4 h 08 min
